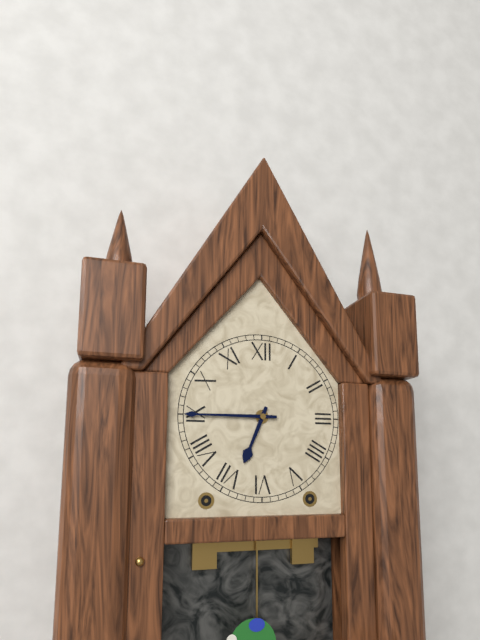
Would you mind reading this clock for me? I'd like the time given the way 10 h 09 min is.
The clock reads 6 h 45 min
